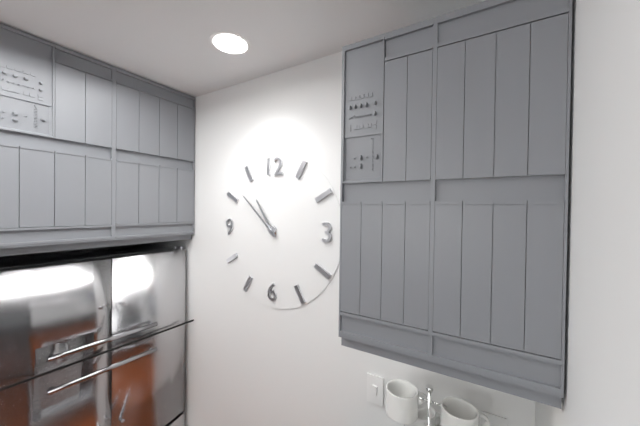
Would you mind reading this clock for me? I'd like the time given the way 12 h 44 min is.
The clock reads 10 h 52 min
